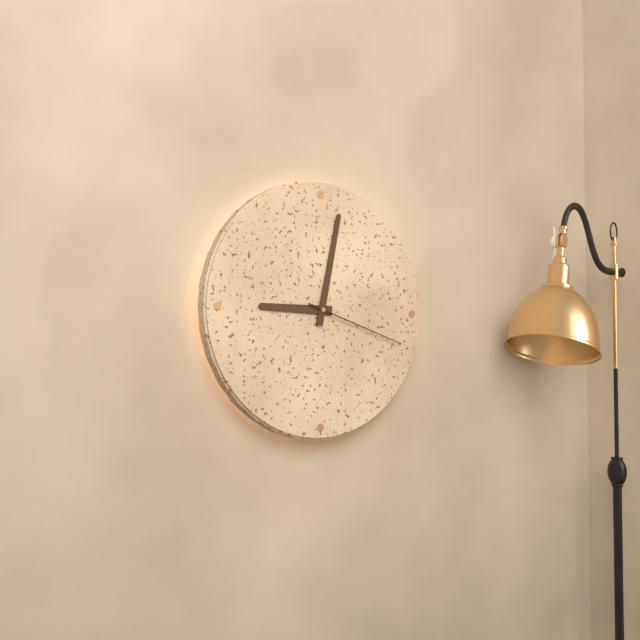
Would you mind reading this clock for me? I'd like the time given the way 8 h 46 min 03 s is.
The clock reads 9 h 02 min 18 s
